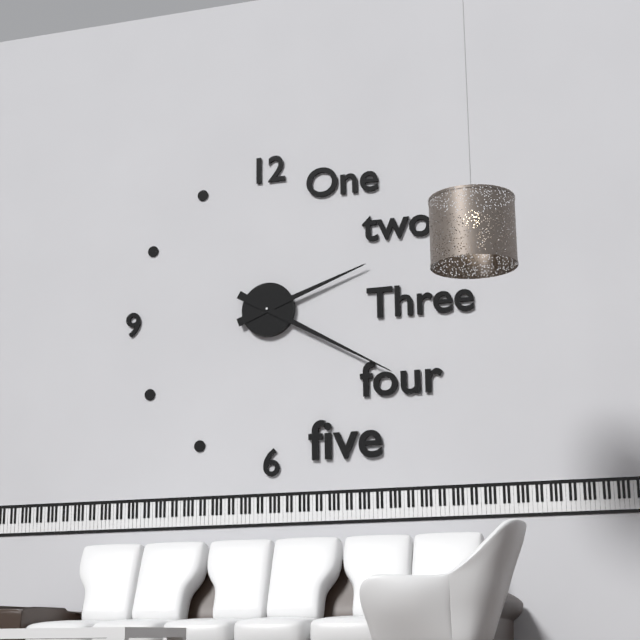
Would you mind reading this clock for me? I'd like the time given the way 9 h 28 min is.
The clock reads 2 h 20 min
